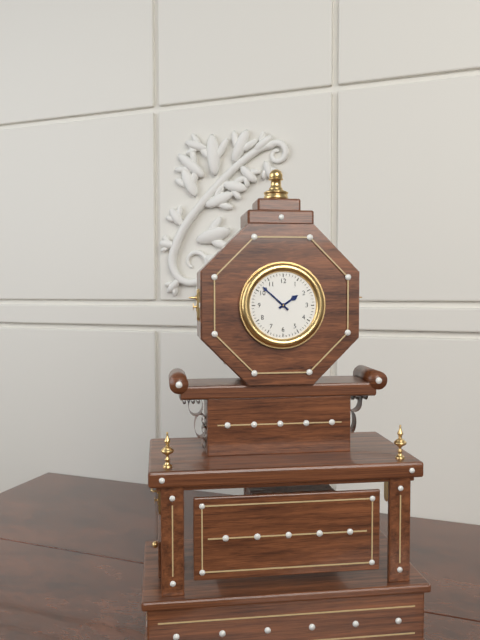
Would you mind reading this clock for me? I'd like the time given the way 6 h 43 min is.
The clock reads 1 h 52 min
